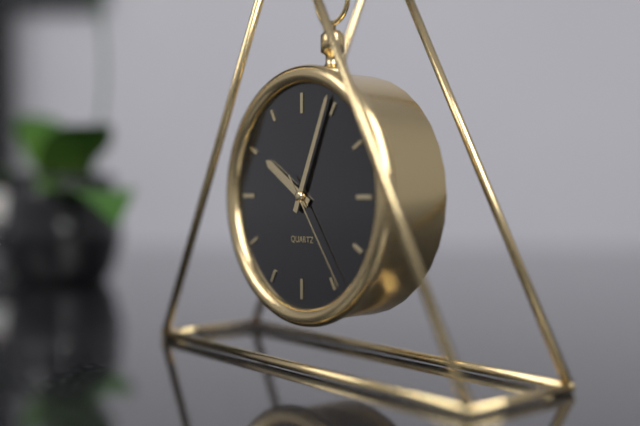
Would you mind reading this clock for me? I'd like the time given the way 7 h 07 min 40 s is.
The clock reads 10 h 04 min 24 s
